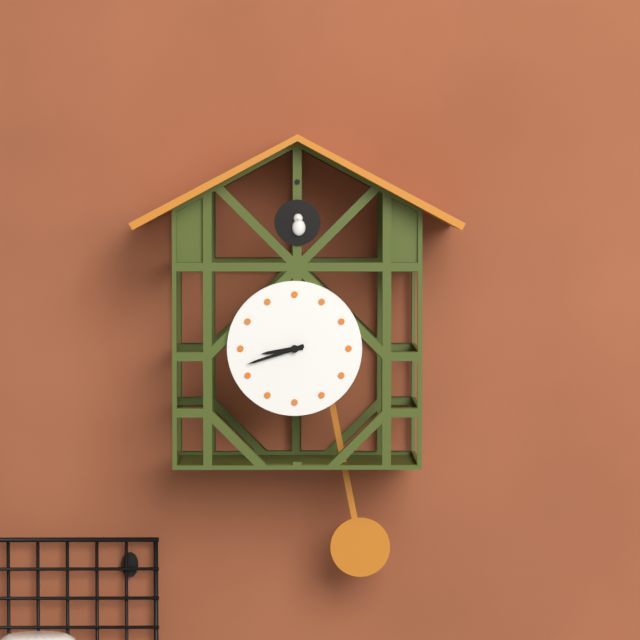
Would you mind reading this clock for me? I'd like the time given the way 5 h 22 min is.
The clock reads 8 h 42 min
